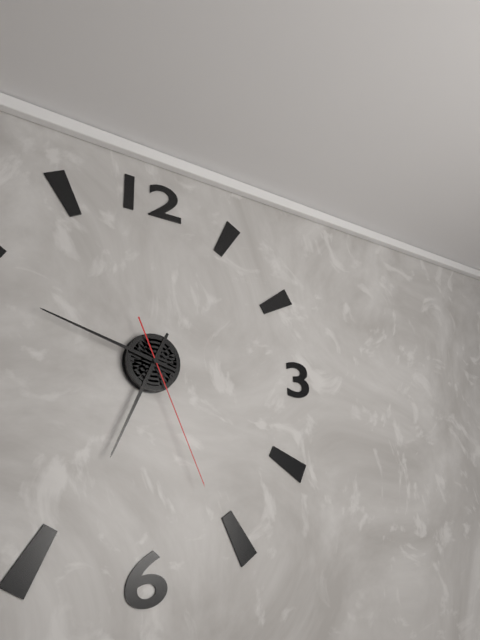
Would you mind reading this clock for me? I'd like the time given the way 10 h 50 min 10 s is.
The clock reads 6 h 48 min 26 s
